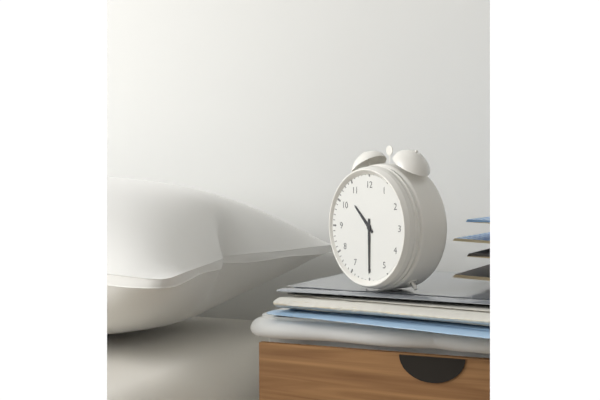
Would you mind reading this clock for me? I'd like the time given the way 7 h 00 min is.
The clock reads 10 h 30 min
